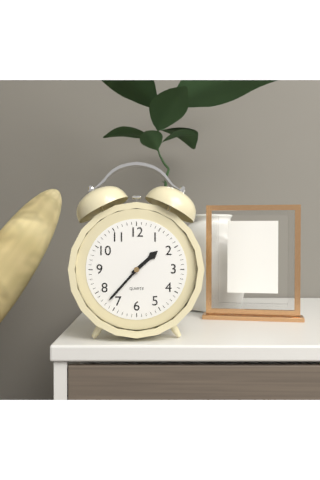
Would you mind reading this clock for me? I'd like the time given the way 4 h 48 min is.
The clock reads 1 h 37 min
